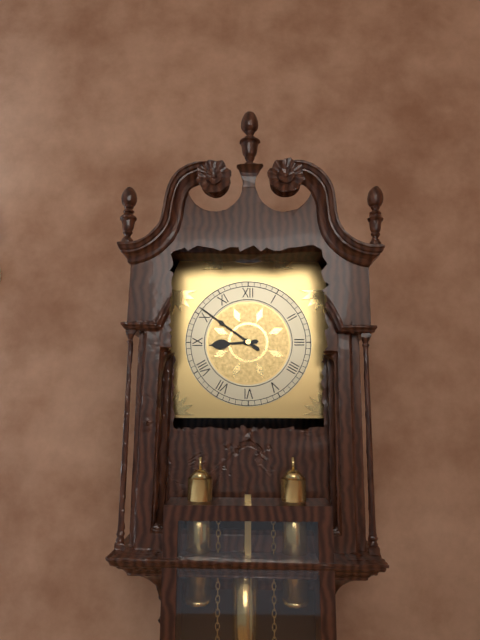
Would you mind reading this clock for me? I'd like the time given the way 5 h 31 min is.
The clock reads 8 h 51 min
